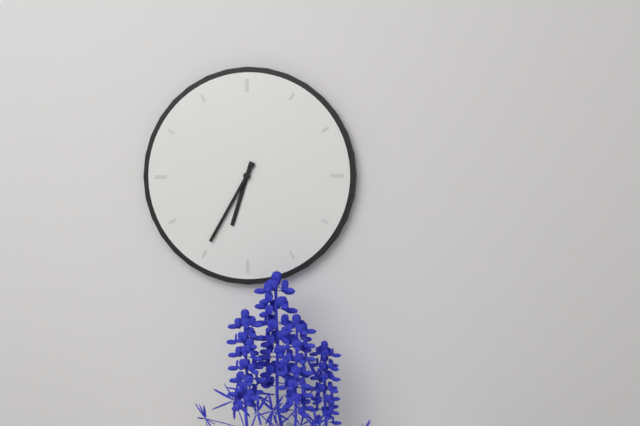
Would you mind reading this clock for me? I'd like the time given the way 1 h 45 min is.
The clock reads 6 h 35 min
